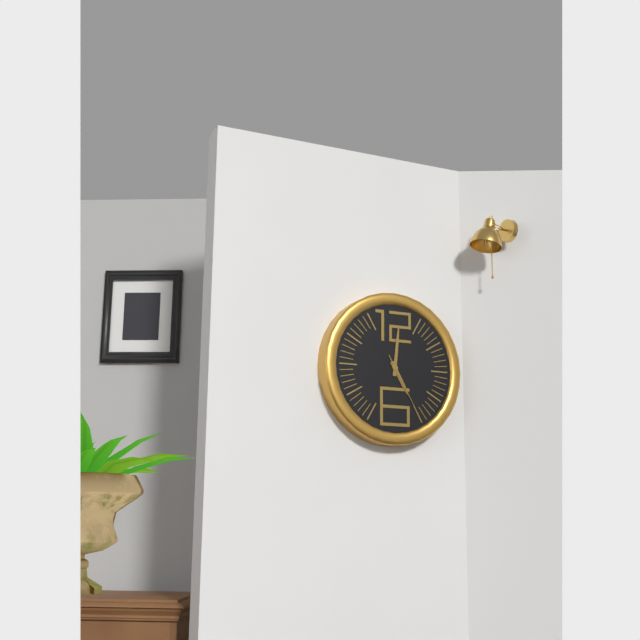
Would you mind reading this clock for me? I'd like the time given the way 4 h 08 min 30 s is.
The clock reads 5 h 01 min 25 s
